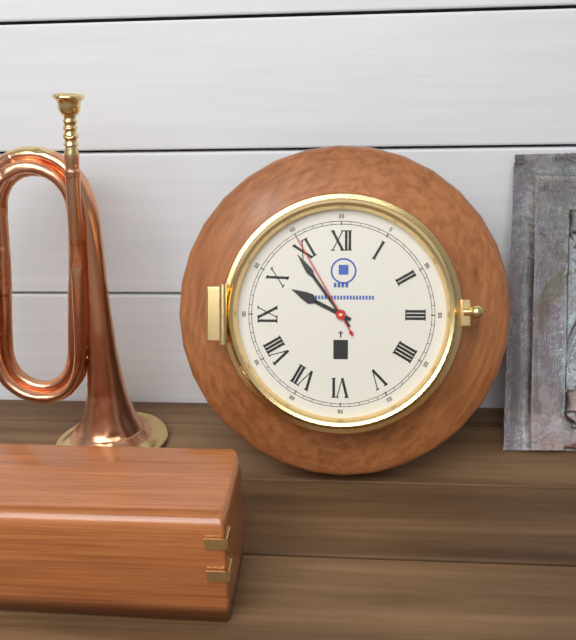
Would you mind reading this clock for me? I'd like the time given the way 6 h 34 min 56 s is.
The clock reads 9 h 54 min 55 s
